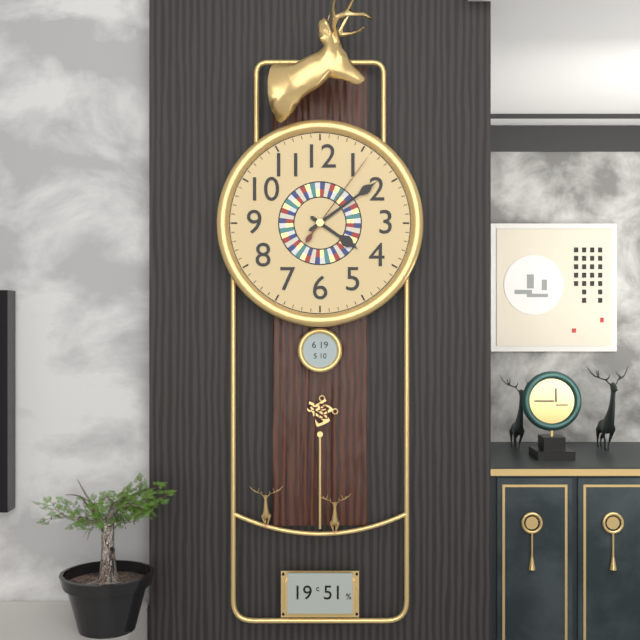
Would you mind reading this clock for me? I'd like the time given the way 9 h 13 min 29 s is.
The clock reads 4 h 09 min 06 s
